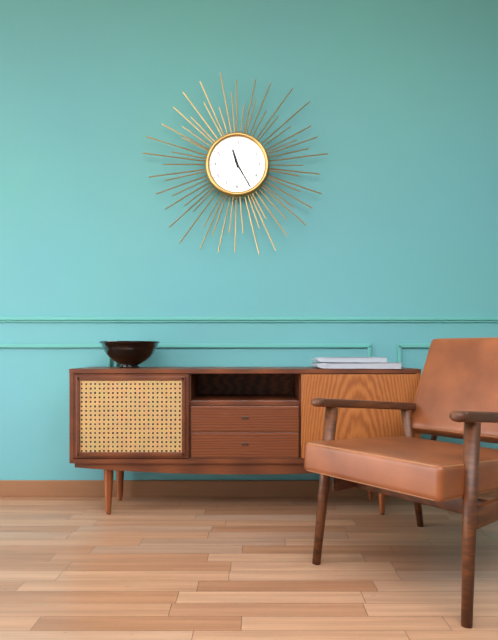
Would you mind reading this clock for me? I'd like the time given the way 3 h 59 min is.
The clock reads 11 h 25 min
